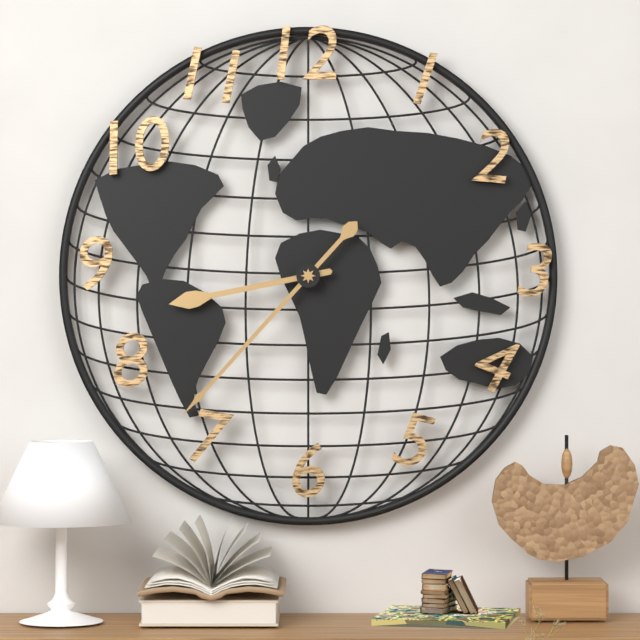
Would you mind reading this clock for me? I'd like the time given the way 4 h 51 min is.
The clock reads 8 h 37 min
